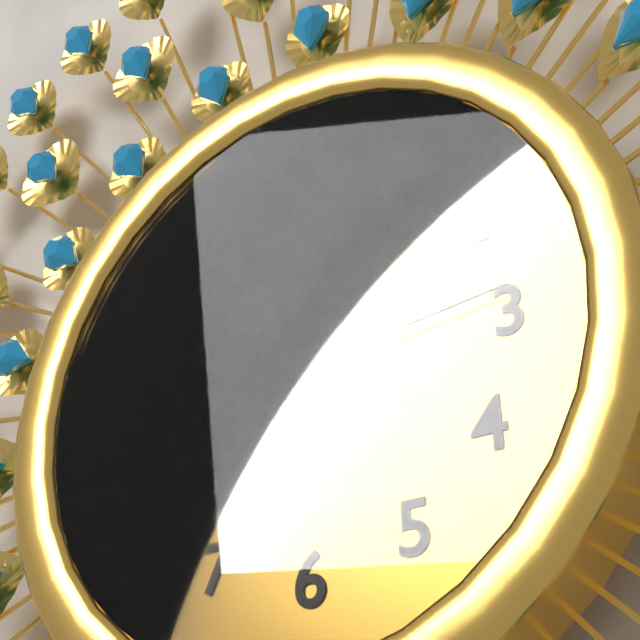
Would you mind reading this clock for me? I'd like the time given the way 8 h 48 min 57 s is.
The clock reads 9 h 11 min 14 s
